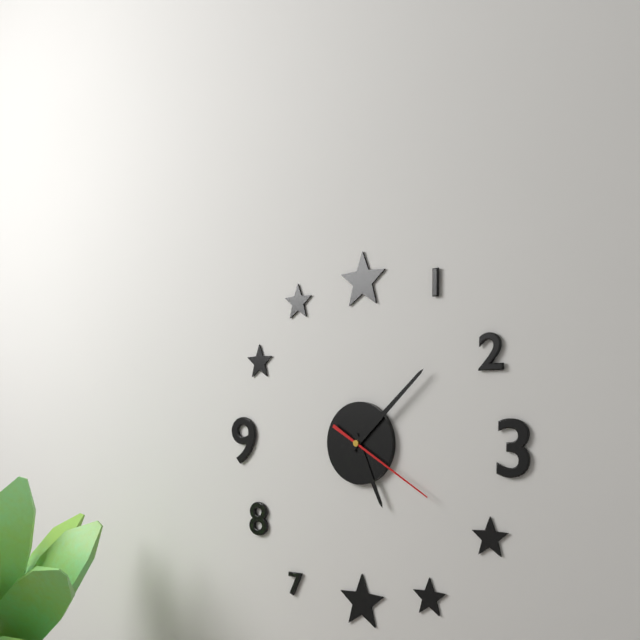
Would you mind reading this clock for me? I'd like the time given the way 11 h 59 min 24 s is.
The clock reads 5 h 08 min 20 s
